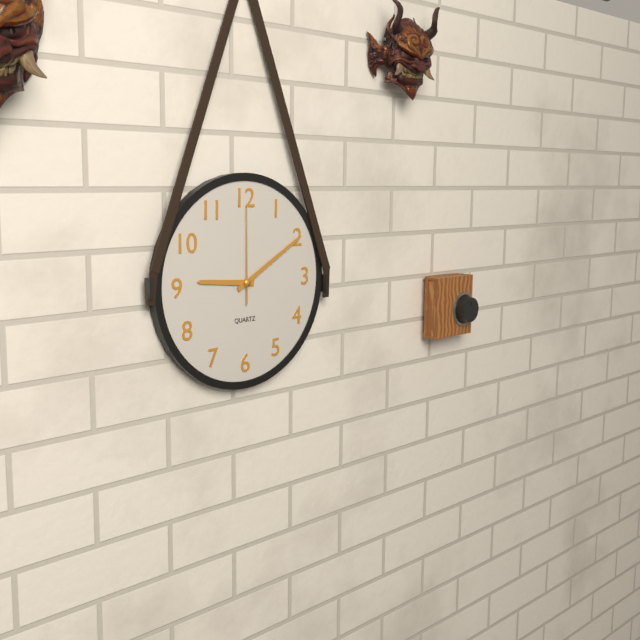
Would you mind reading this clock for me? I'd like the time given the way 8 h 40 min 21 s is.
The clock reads 9 h 10 min 00 s
